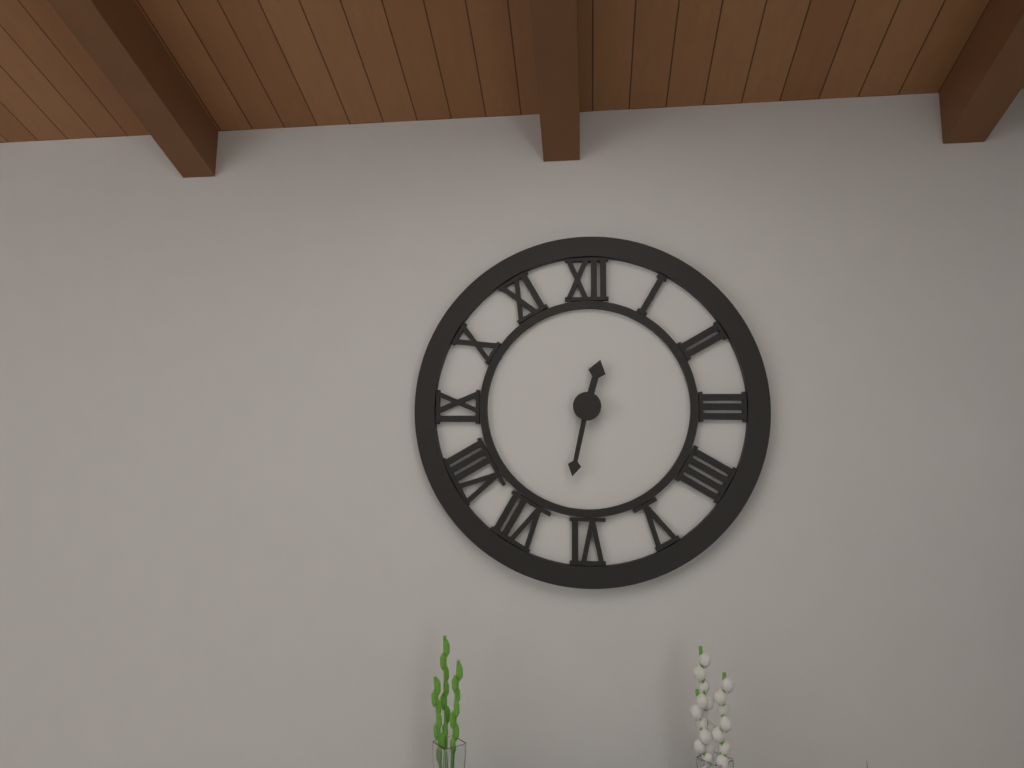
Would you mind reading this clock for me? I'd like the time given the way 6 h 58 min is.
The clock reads 12 h 32 min
